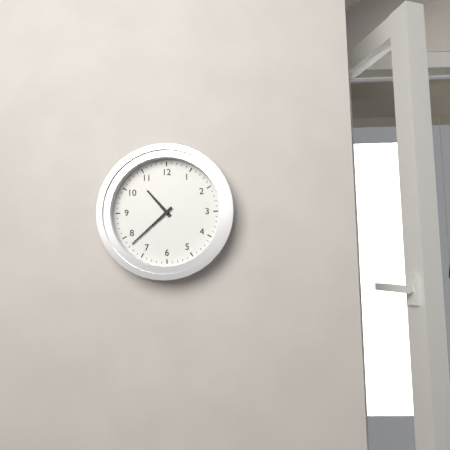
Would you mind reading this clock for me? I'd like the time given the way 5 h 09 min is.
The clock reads 10 h 38 min
